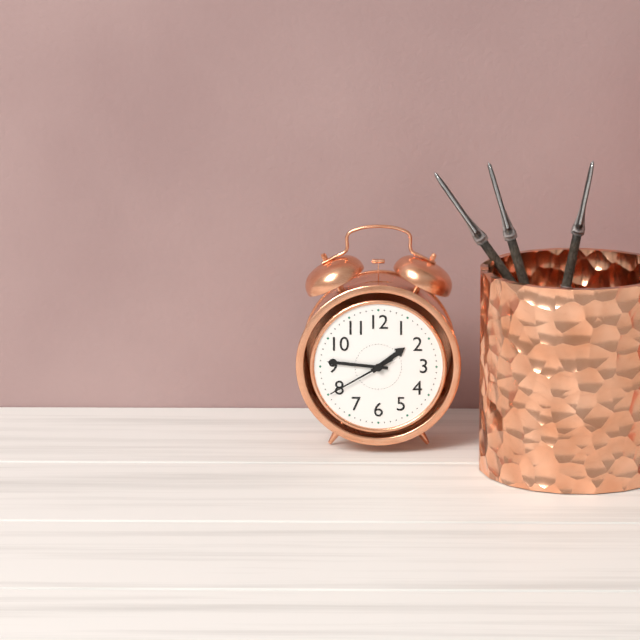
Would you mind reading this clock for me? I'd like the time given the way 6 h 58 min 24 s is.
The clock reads 1 h 46 min 40 s
